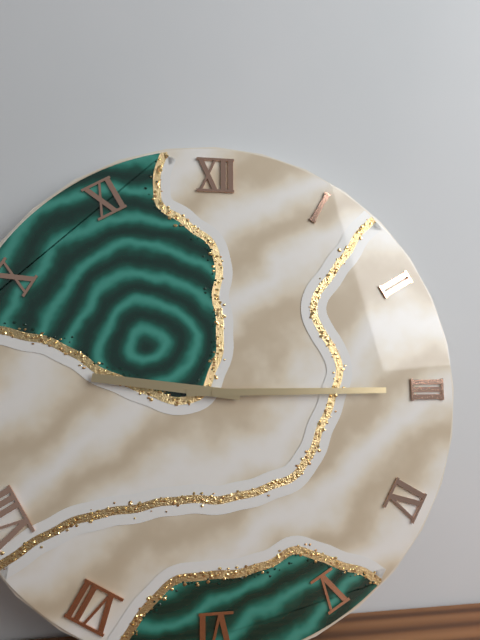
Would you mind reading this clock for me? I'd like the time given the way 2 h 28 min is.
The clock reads 9 h 15 min
